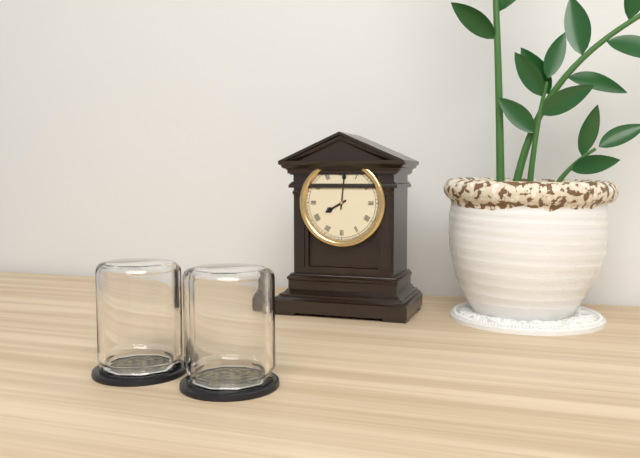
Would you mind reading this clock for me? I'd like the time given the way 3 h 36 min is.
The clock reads 8 h 01 min
